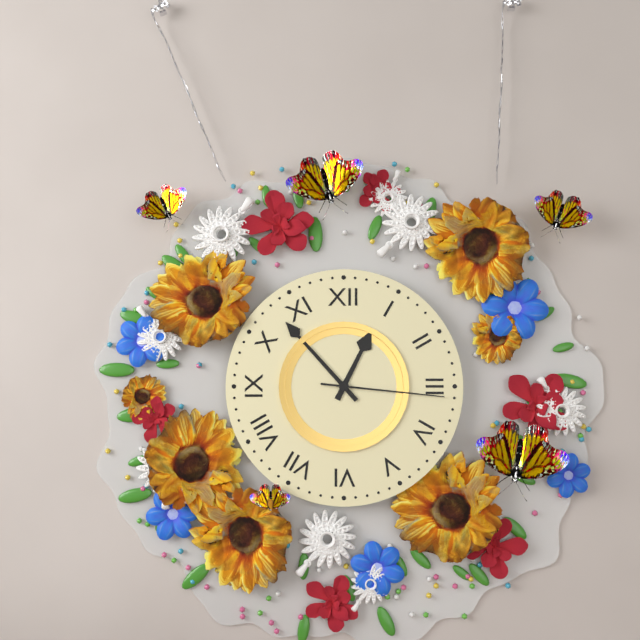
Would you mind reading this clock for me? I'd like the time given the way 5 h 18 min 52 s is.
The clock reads 12 h 53 min 16 s
